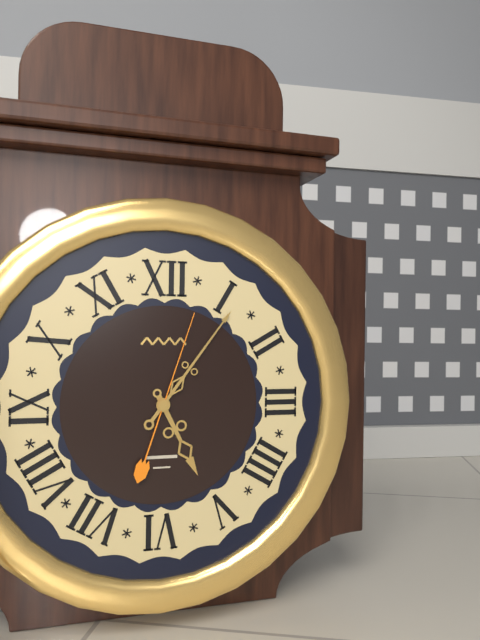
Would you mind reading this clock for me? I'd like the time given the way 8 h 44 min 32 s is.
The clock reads 5 h 06 min 03 s
